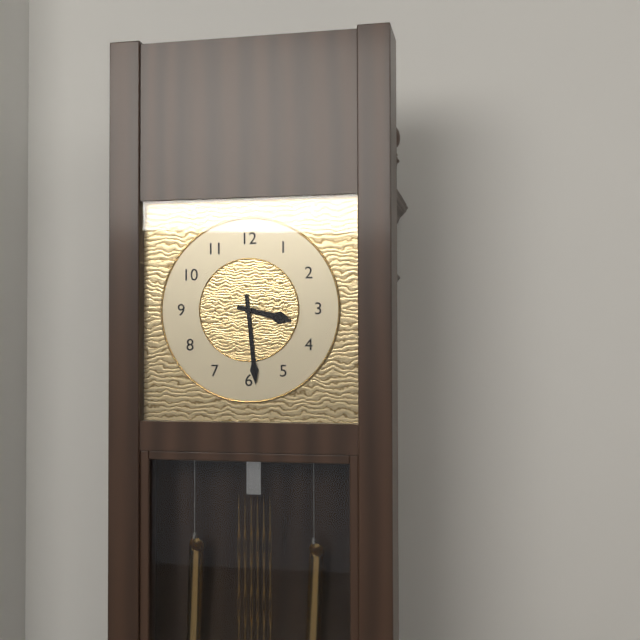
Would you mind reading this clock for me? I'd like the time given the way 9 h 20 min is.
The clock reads 3 h 29 min
